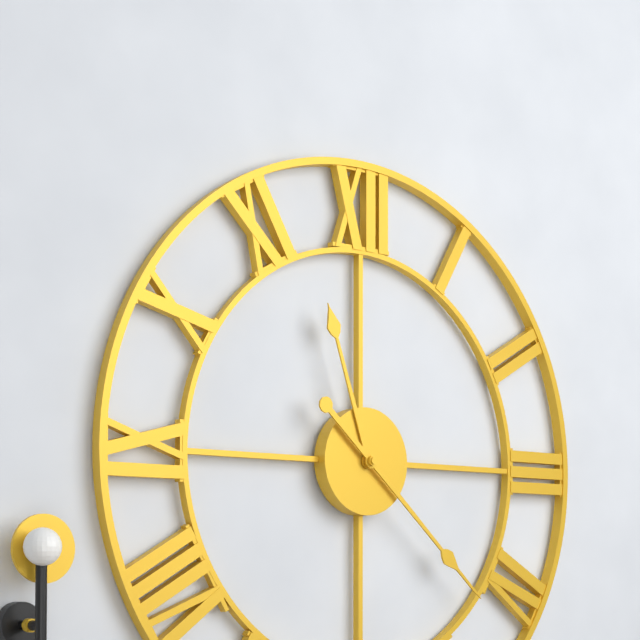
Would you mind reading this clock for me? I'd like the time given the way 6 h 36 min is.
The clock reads 11 h 22 min
